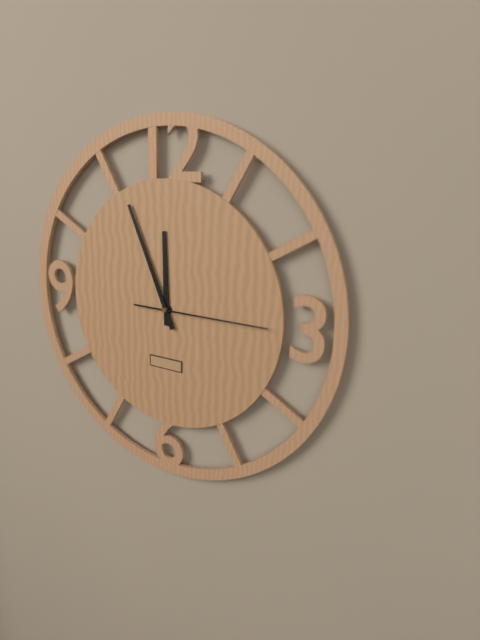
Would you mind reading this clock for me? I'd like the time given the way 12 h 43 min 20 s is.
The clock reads 11 h 56 min 15 s
